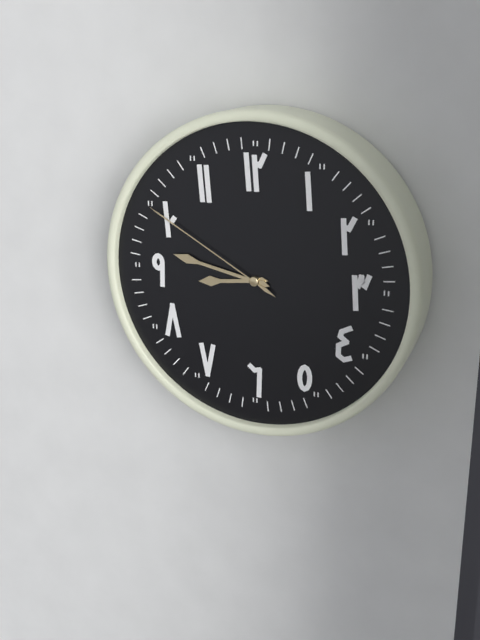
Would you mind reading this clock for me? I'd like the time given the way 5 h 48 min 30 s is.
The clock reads 8 h 47 min 50 s
